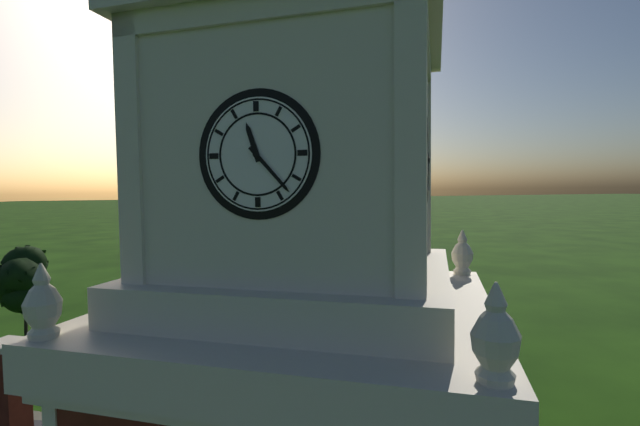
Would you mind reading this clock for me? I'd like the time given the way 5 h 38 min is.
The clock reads 11 h 23 min
